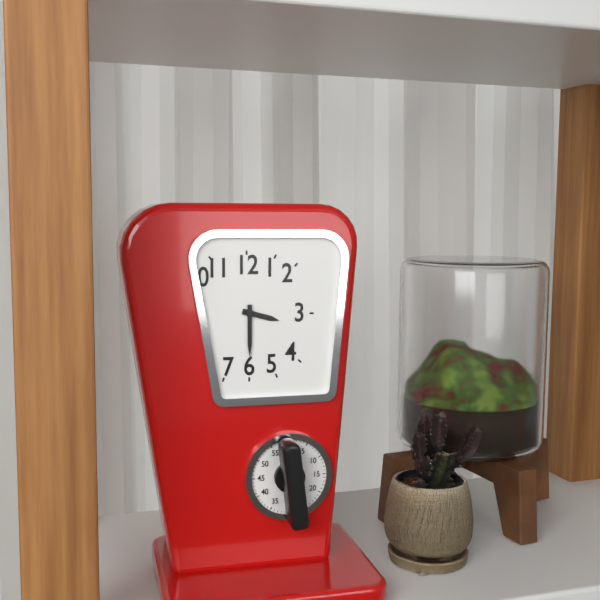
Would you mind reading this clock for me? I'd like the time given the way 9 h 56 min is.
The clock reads 3 h 30 min
